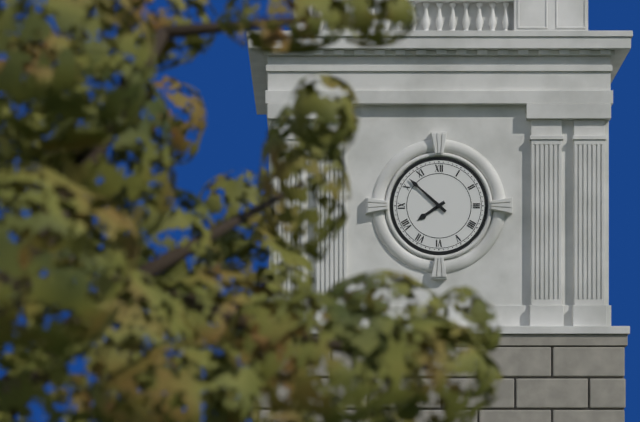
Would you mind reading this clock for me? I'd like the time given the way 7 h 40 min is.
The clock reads 7 h 52 min
